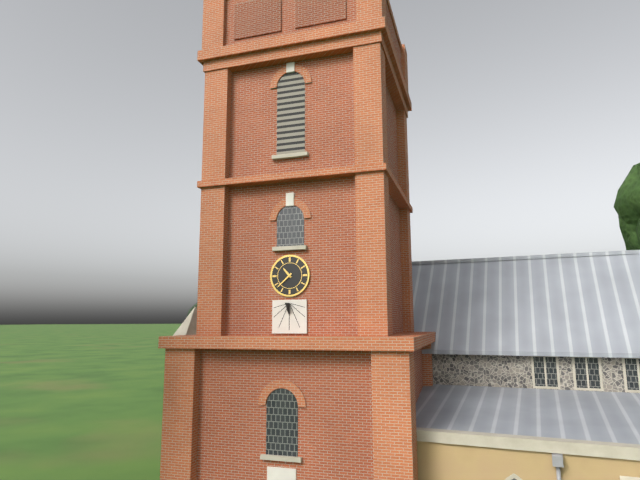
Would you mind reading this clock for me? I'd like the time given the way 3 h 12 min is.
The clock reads 10 h 38 min
